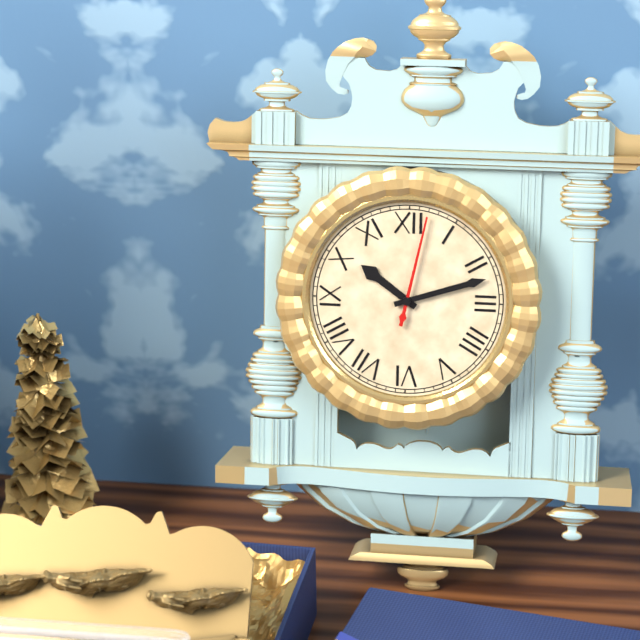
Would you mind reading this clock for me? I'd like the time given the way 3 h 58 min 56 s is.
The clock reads 10 h 12 min 02 s
